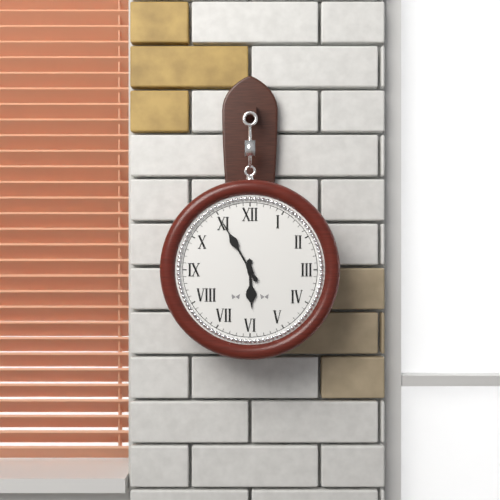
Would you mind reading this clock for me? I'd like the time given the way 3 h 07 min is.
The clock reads 5 h 55 min
